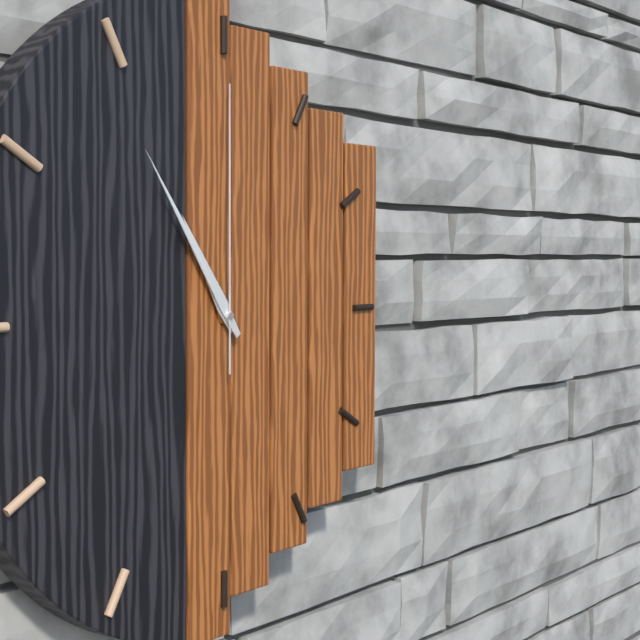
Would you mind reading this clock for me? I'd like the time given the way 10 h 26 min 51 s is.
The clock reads 10 h 54 min 00 s
